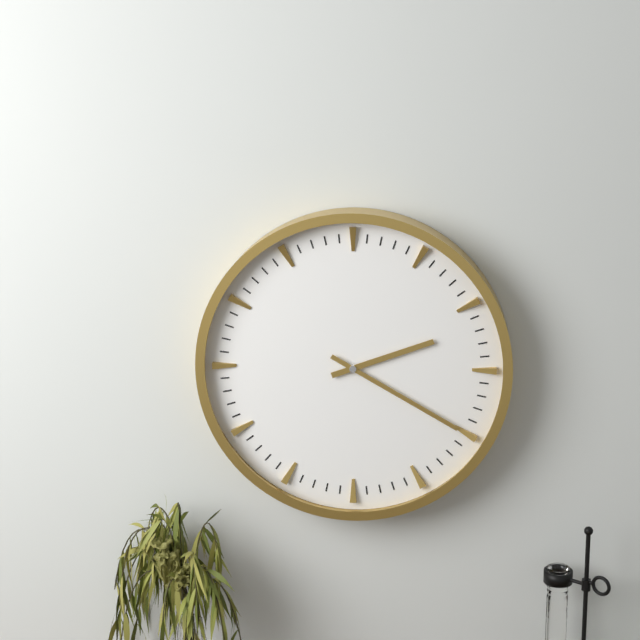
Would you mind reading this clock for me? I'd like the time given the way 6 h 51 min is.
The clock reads 2 h 20 min
